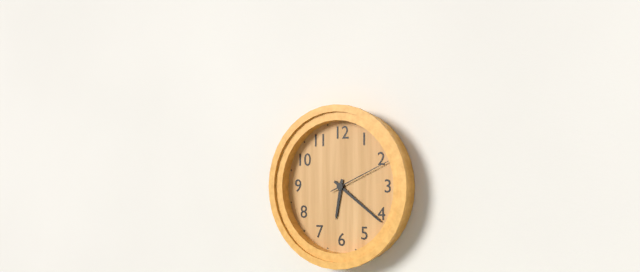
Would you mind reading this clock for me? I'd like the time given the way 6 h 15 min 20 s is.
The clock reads 6 h 21 min 11 s
